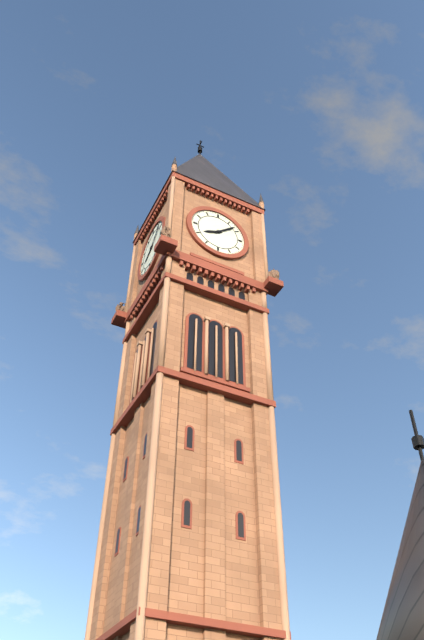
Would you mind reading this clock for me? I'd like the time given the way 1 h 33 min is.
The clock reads 8 h 08 min
